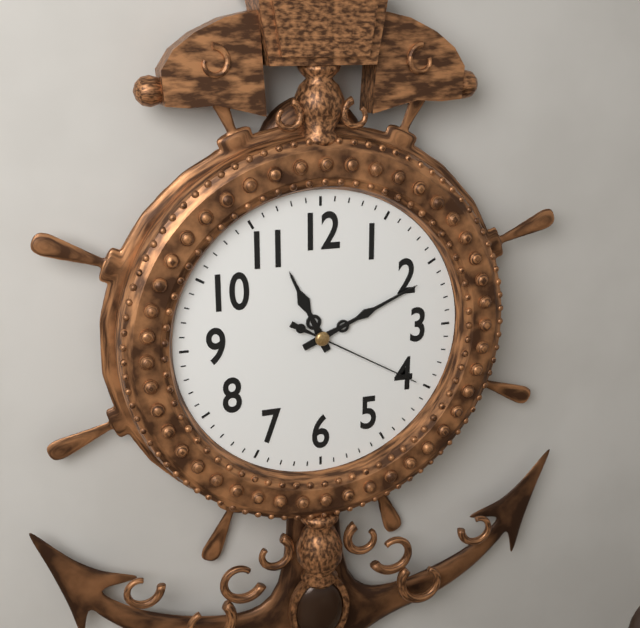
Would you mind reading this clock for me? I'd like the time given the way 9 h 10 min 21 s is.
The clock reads 11 h 11 min 20 s
